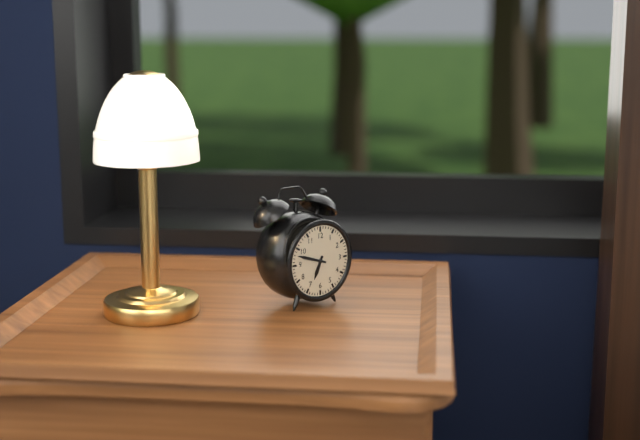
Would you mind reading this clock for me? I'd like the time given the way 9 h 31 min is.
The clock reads 6 h 48 min
